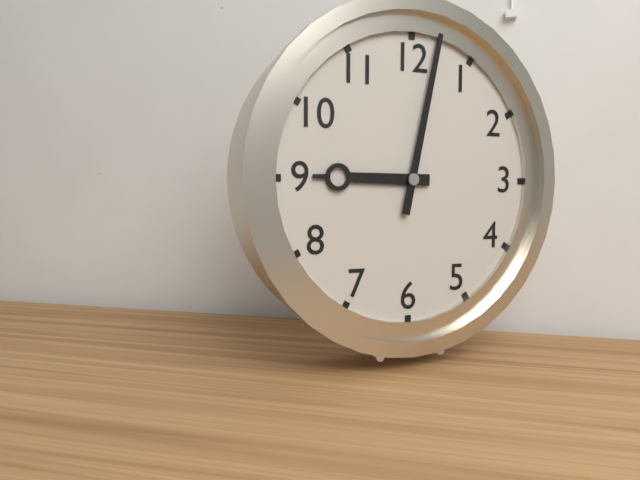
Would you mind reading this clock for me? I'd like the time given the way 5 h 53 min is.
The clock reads 9 h 02 min
